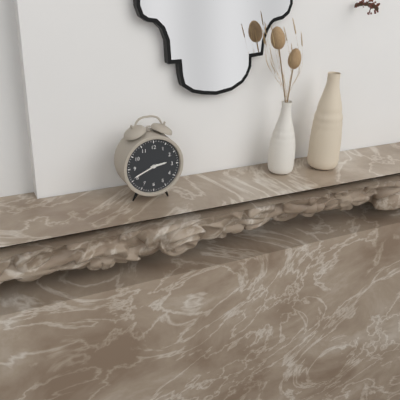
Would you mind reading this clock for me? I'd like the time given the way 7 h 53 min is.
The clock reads 2 h 41 min
